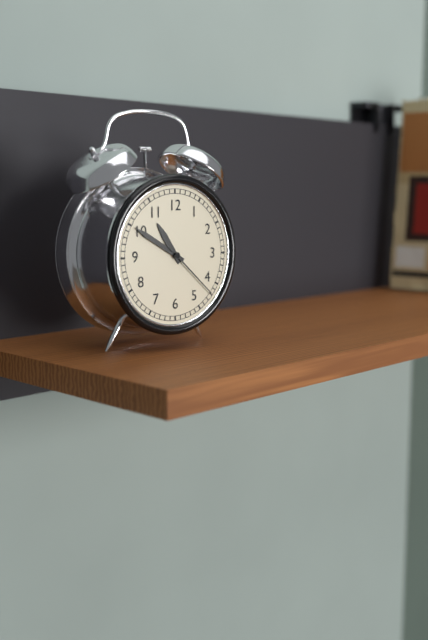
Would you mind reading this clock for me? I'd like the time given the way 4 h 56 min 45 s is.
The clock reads 10 h 50 min 22 s
